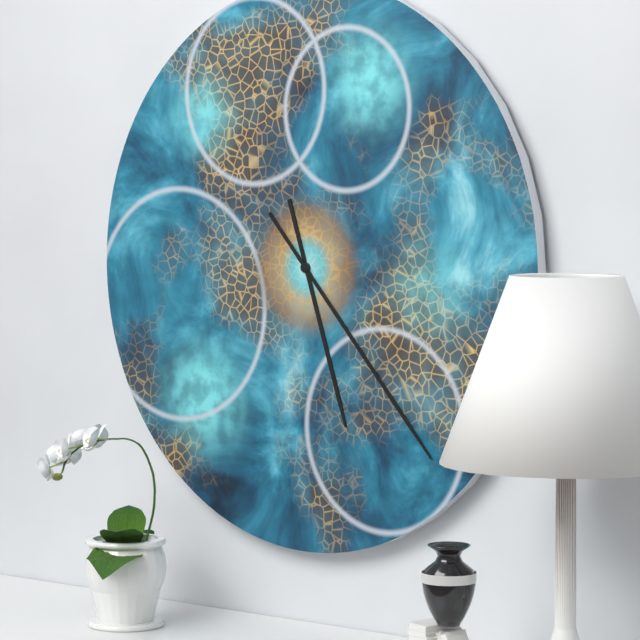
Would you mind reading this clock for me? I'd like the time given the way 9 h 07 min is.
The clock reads 5 h 23 min
